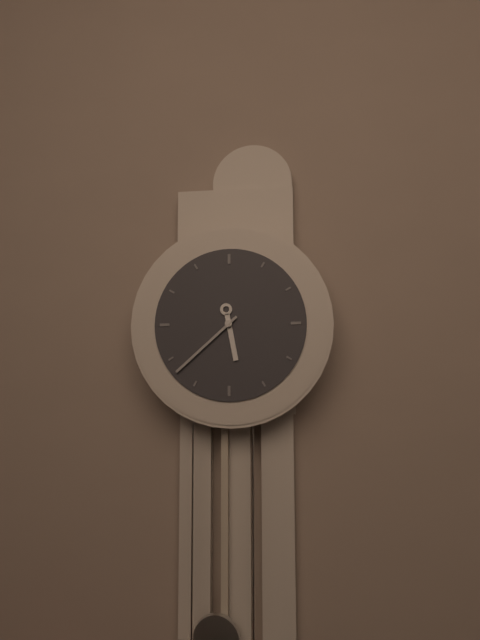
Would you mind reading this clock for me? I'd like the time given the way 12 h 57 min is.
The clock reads 5 h 38 min
